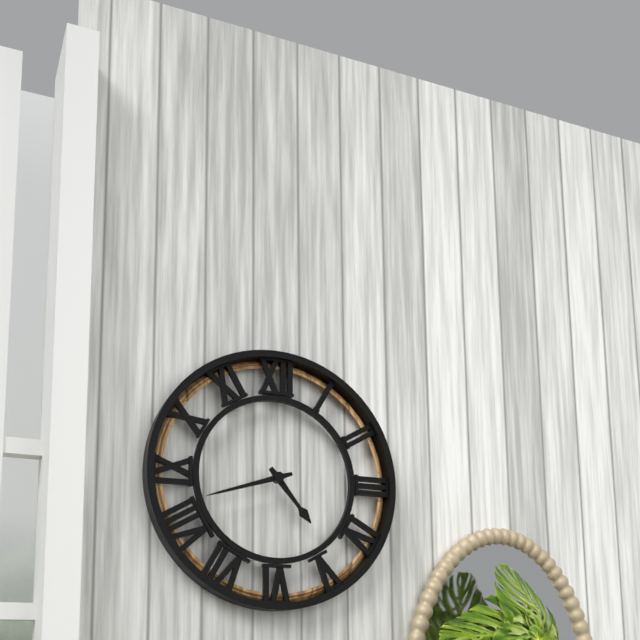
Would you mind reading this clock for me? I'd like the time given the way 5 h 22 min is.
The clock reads 4 h 42 min
